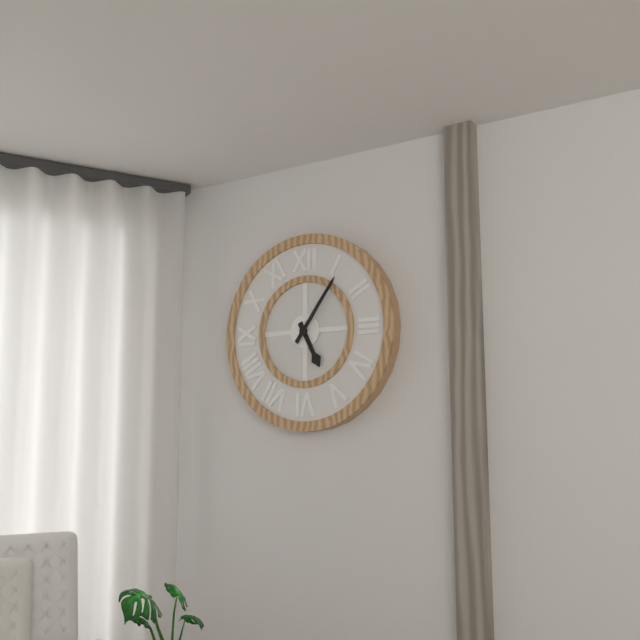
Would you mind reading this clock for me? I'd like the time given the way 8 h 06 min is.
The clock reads 5 h 06 min
